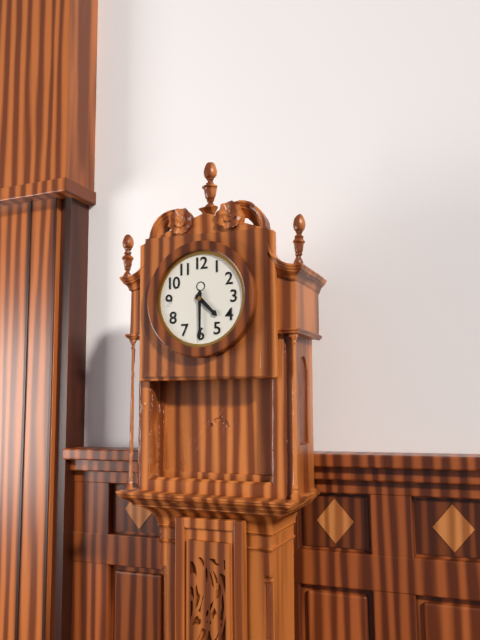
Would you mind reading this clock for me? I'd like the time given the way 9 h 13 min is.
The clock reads 4 h 30 min
